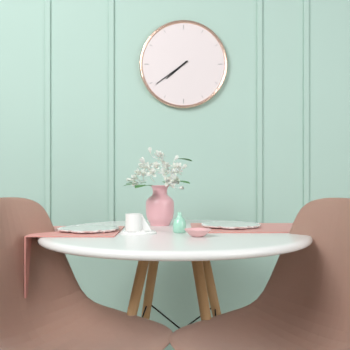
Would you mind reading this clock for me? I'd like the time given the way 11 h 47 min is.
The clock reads 7 h 39 min
